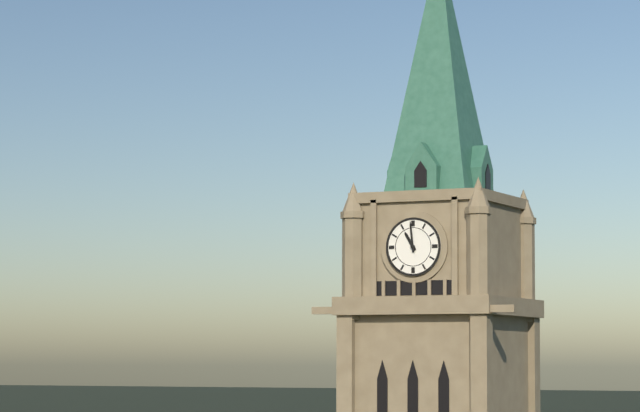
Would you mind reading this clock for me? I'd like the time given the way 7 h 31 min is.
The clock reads 10 h 59 min
